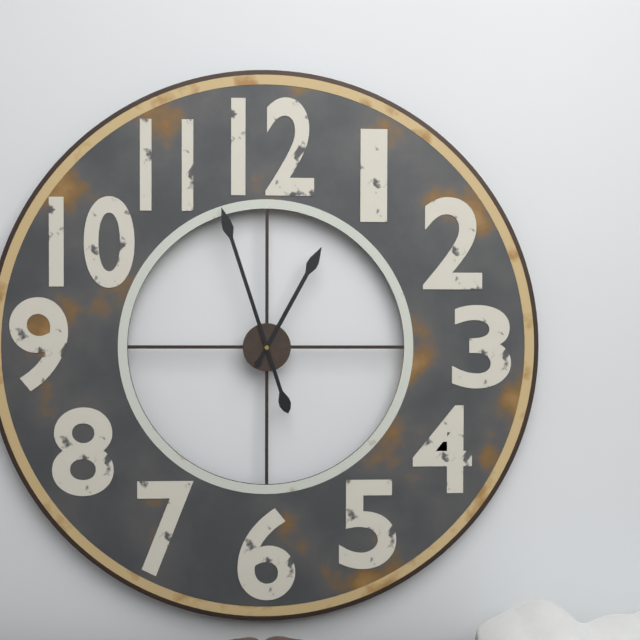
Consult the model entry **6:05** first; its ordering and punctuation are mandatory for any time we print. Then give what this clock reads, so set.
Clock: **12:57**
